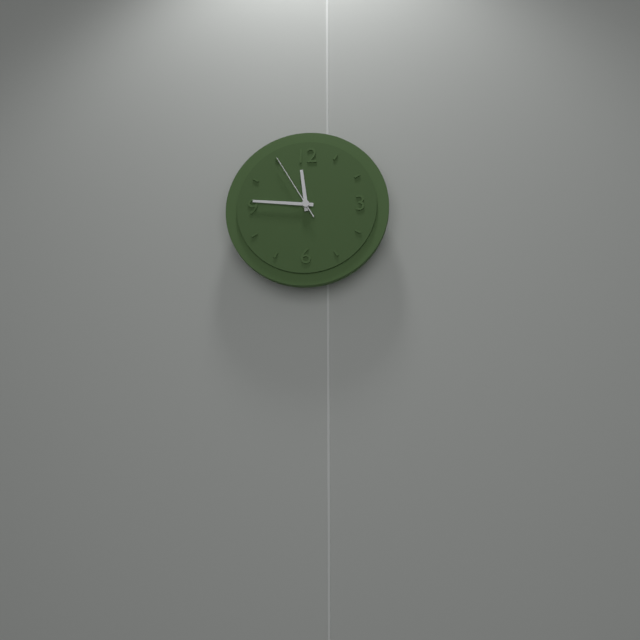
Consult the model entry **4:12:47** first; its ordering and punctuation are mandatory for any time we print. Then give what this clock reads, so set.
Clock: **11:46:55**
